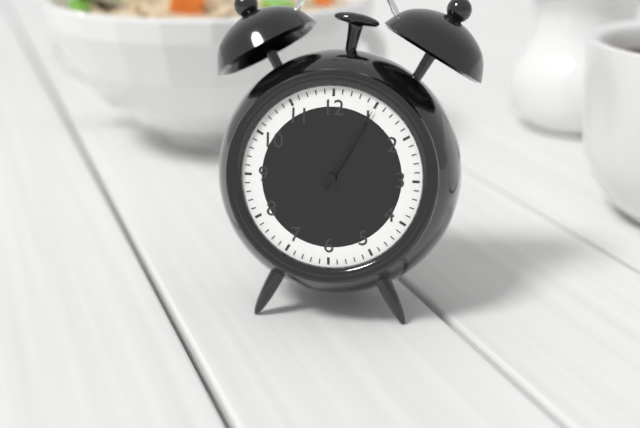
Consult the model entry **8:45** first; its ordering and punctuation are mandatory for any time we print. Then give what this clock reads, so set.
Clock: **1:05**
